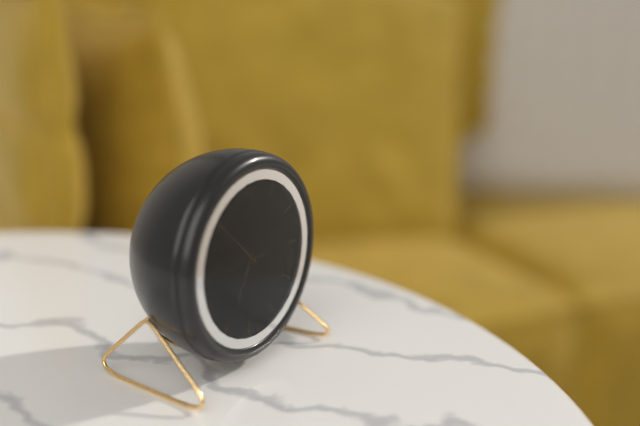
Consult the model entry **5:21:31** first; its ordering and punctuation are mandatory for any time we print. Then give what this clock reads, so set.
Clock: **6:52:45**
